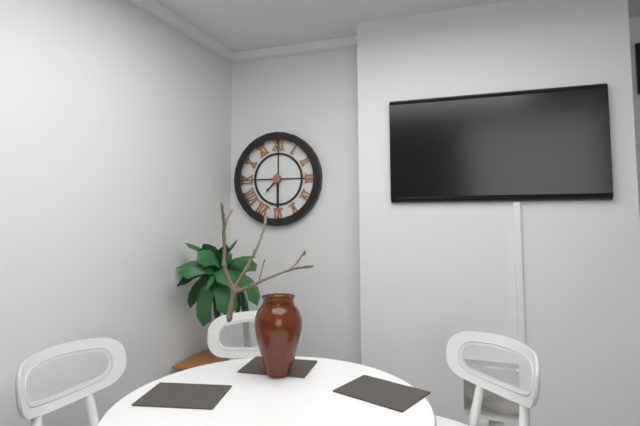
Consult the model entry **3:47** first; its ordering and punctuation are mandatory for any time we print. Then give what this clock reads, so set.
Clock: **7:30**
